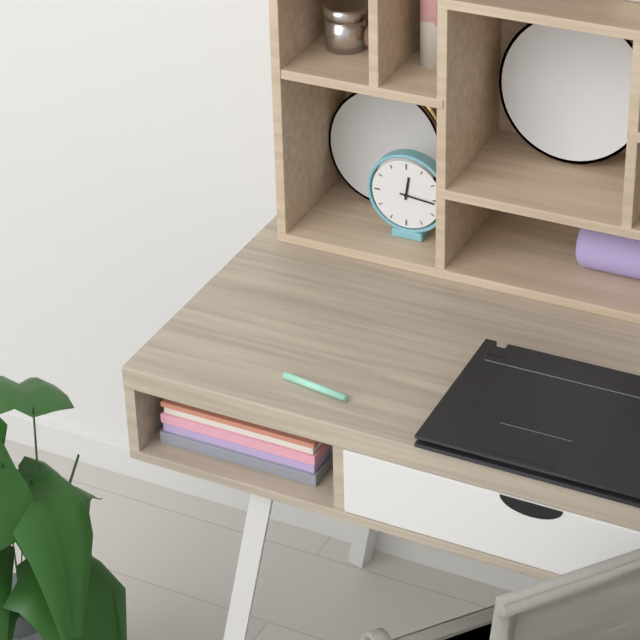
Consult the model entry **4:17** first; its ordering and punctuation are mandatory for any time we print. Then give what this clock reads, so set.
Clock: **12:16**
